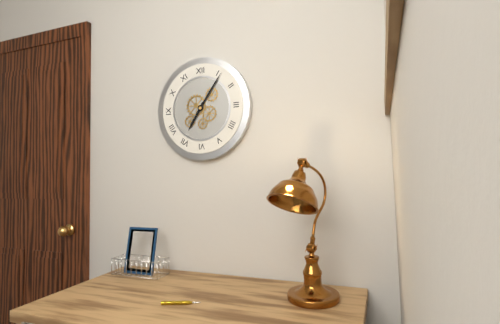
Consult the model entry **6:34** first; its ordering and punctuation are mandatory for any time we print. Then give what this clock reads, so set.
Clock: **7:06**
